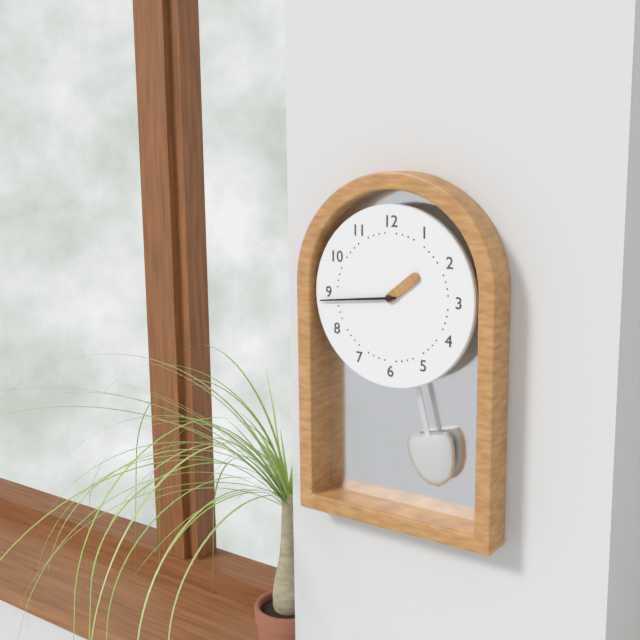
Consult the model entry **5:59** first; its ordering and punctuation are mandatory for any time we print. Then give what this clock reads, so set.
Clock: **1:44**
